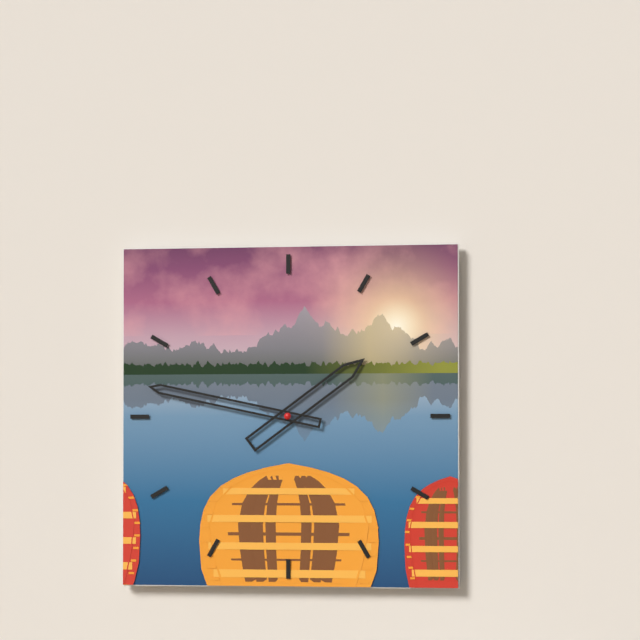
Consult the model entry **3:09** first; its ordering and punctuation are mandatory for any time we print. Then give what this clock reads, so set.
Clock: **1:47**
